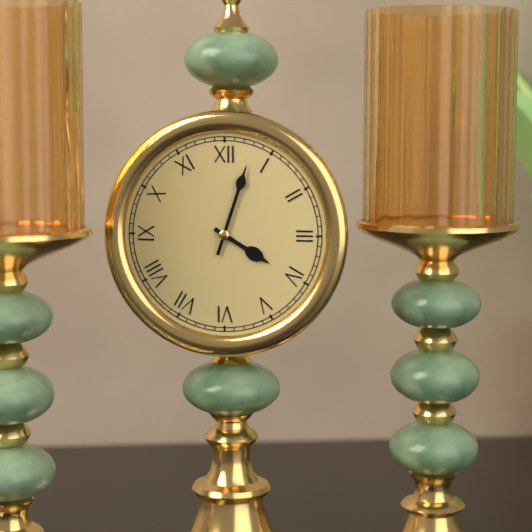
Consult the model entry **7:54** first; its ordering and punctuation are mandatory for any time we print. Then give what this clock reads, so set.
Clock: **4:03**
